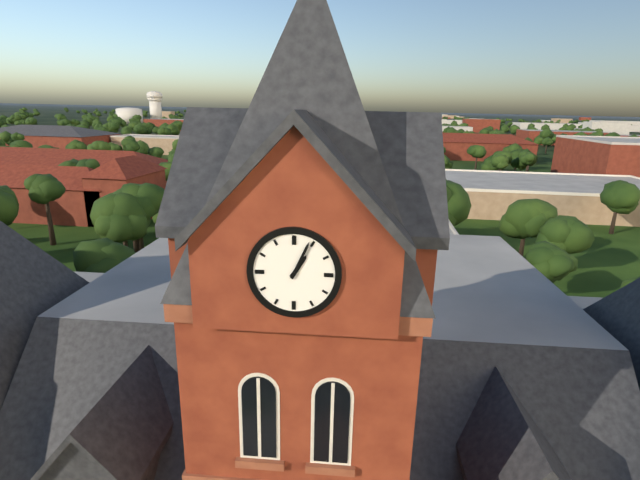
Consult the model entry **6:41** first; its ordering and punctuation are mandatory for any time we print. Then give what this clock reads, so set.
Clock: **1:04**
